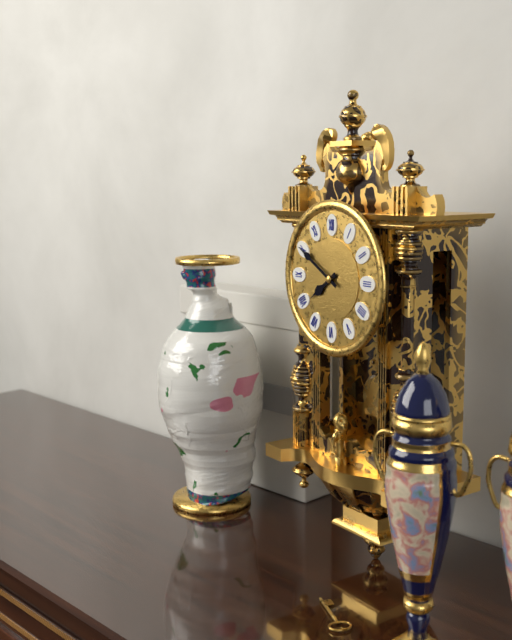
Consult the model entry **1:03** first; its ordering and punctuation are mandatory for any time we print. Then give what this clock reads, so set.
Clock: **7:50**
